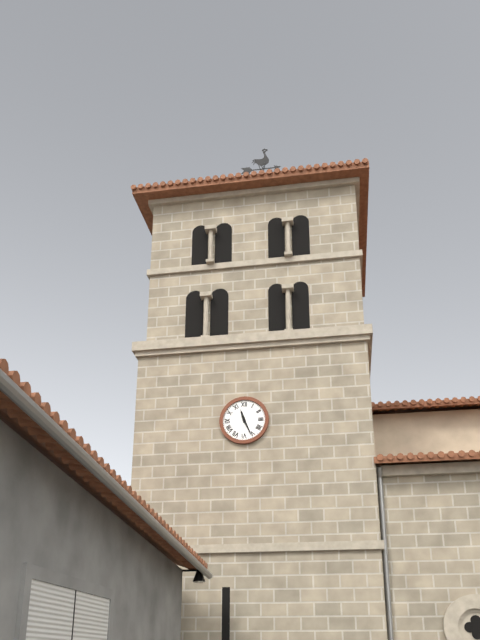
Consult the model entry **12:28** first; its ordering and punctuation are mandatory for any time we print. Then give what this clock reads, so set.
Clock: **11:26**
